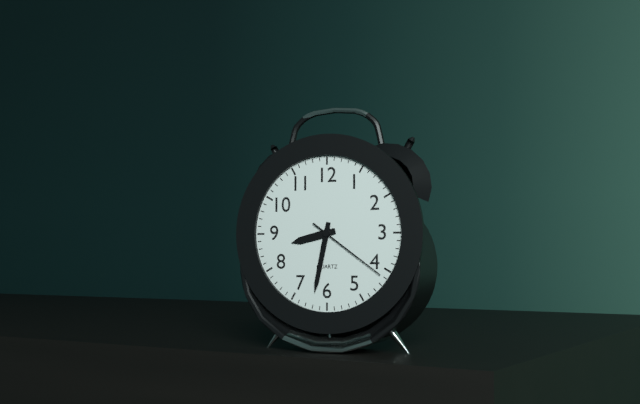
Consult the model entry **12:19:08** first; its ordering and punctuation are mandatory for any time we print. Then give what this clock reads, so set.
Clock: **8:32:21**
